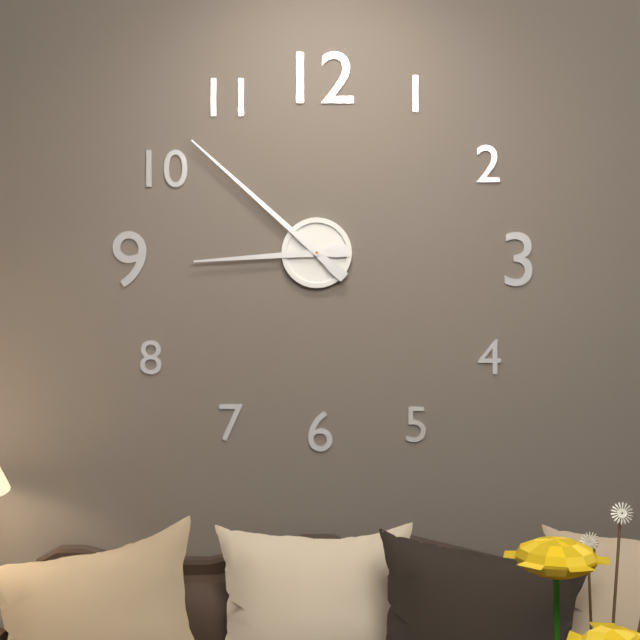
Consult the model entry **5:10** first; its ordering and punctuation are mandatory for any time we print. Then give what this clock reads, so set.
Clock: **8:52**
